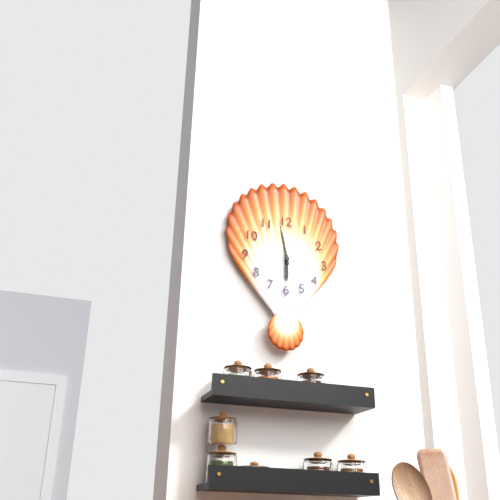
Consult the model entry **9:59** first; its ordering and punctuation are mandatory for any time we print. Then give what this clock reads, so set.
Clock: **5:58**
